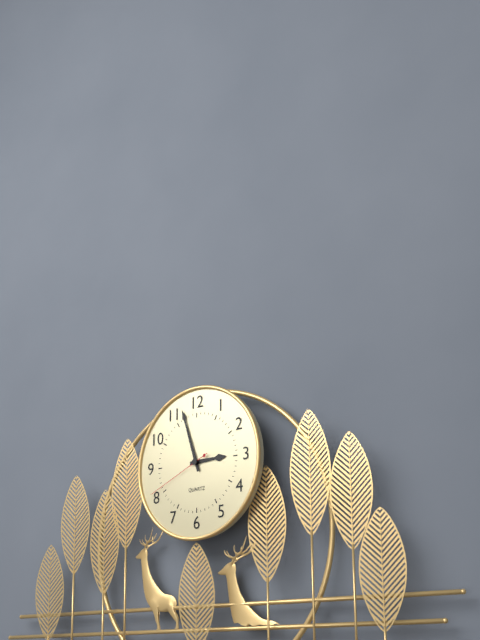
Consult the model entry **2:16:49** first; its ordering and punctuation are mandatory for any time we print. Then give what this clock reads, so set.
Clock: **2:57:41**
